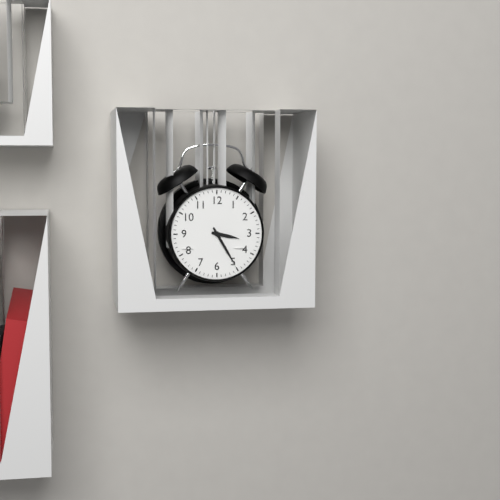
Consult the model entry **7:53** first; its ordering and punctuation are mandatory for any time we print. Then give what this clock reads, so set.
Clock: **3:25**
